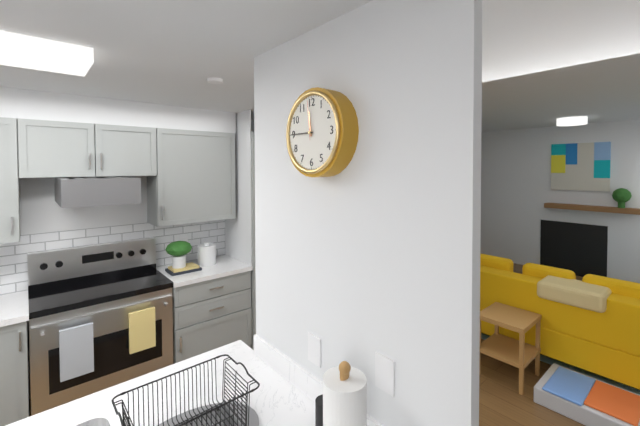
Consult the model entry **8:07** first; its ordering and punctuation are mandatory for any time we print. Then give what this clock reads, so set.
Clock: **11:45**
